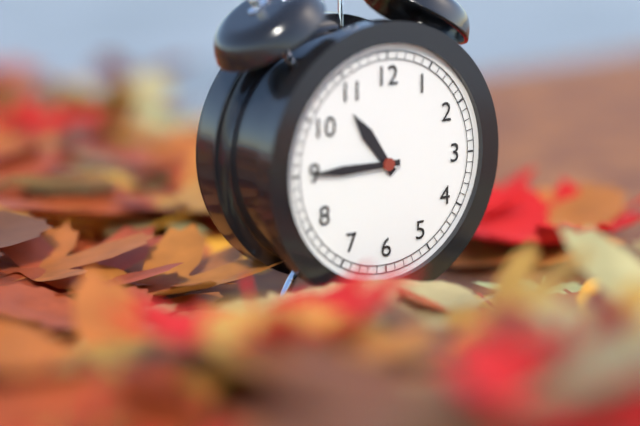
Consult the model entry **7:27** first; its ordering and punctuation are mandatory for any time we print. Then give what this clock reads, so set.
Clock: **10:45**
